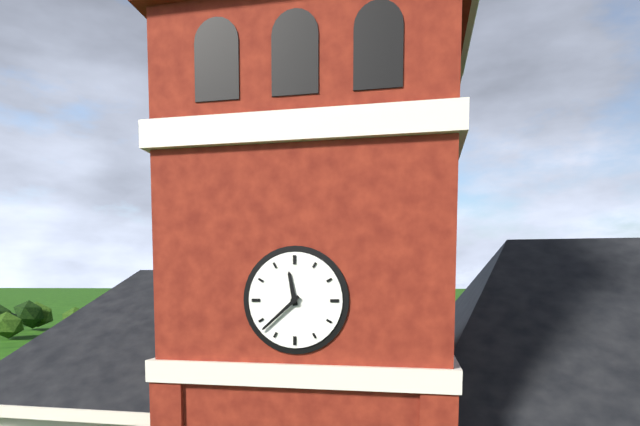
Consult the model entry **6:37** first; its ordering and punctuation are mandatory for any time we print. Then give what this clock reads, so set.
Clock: **11:38**
